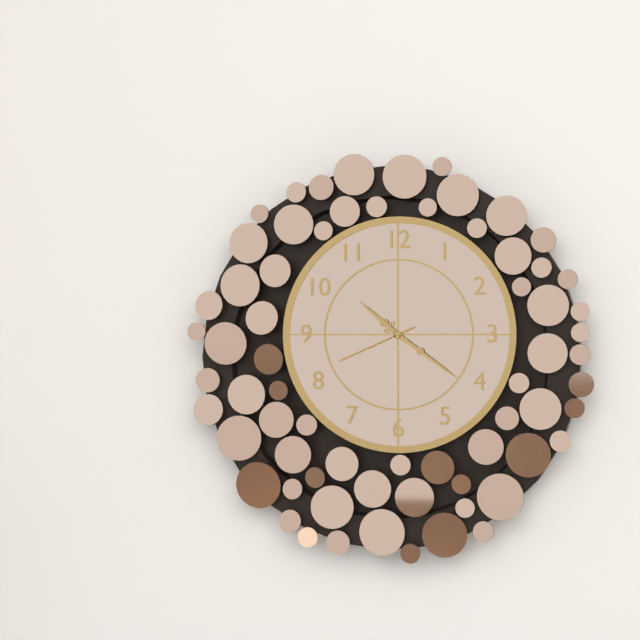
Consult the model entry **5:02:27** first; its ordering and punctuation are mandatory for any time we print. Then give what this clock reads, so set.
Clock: **10:21:41**
